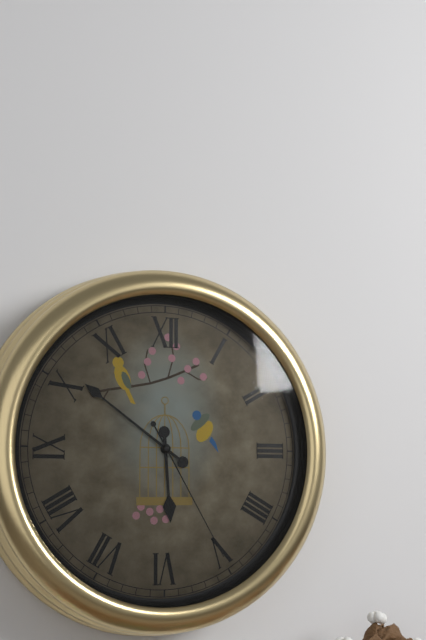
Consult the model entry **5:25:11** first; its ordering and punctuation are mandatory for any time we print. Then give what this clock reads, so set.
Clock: **5:51:25**
